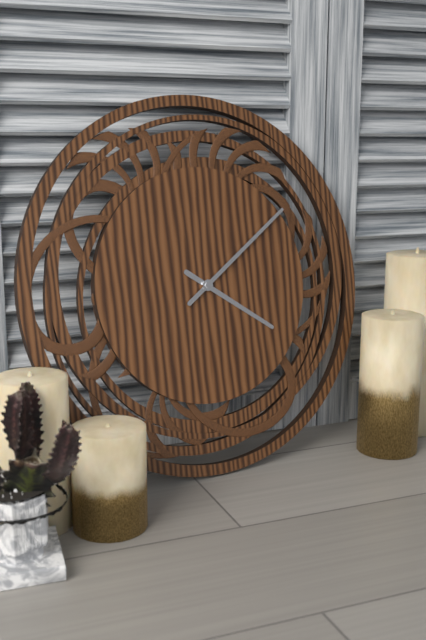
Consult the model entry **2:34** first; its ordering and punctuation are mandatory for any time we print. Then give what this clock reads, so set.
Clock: **4:09**
